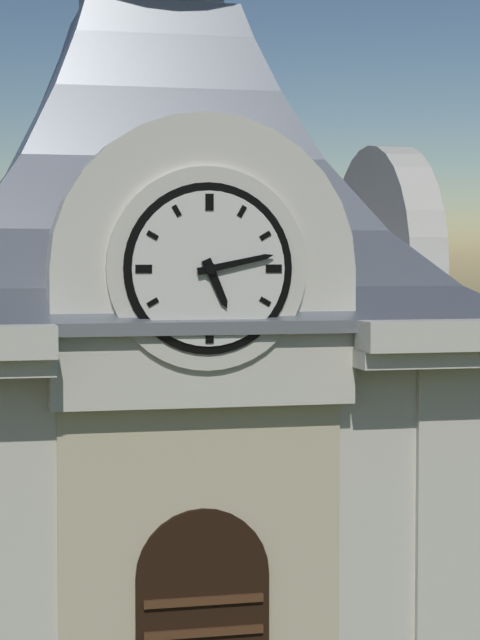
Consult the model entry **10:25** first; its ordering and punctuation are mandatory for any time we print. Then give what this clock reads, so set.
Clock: **5:13**
